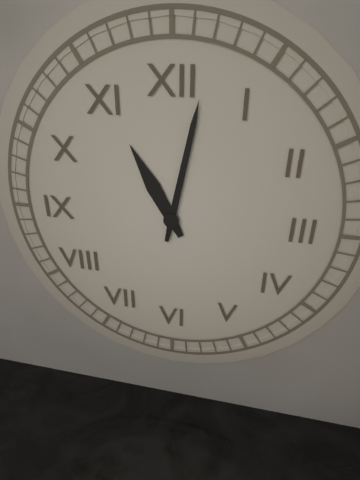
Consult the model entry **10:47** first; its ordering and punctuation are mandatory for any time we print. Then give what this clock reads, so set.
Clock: **11:02**
